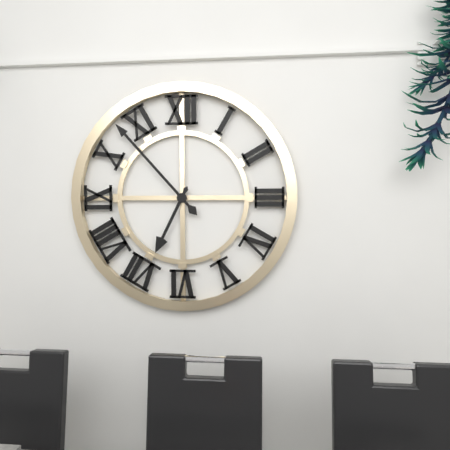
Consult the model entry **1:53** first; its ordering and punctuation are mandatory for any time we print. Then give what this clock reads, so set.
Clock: **6:53**
